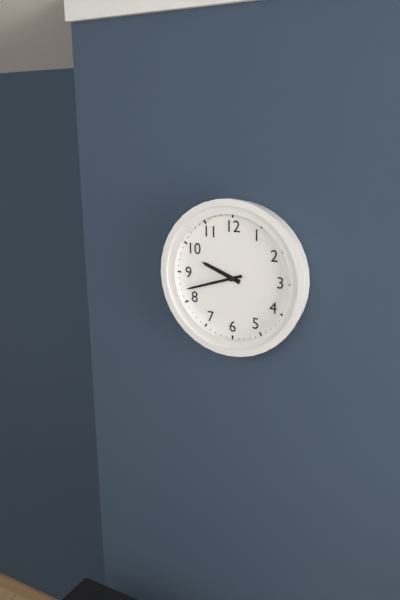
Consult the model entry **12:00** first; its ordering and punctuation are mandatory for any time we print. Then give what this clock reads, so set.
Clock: **9:42**
